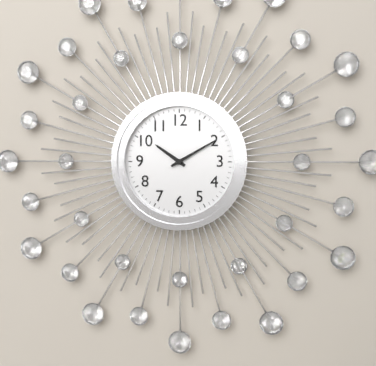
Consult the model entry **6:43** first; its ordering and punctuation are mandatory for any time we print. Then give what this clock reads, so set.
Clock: **10:10**
